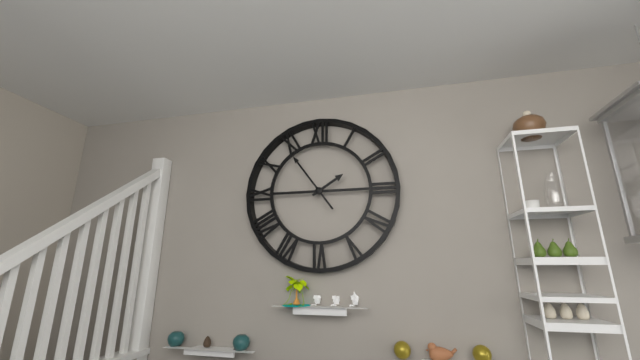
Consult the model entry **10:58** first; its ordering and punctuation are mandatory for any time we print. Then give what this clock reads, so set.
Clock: **1:54**
